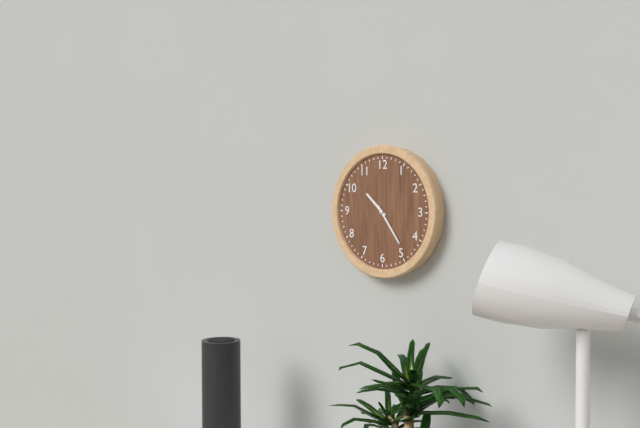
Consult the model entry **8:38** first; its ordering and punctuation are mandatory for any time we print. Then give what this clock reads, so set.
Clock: **10:24**
